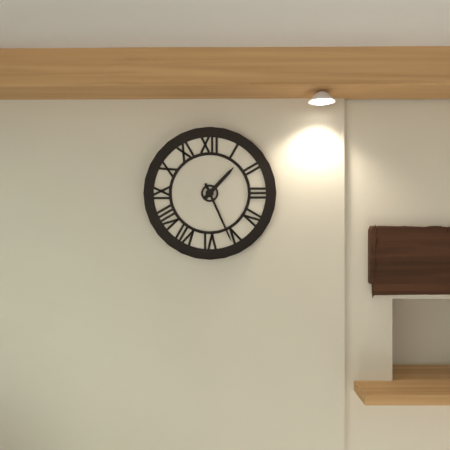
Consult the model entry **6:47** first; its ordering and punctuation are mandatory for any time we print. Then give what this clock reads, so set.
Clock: **1:26**
